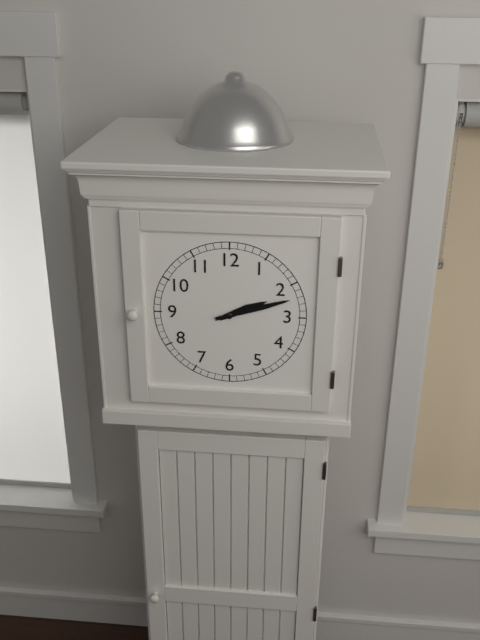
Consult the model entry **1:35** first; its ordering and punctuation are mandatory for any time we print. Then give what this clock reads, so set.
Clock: **2:12**
